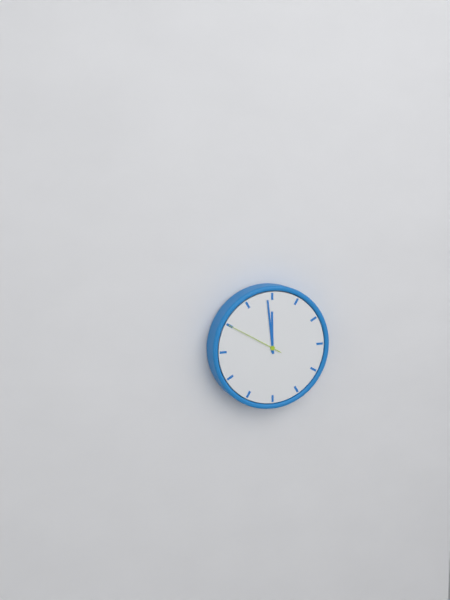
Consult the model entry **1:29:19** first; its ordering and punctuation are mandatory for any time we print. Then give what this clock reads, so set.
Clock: **11:59:50**
